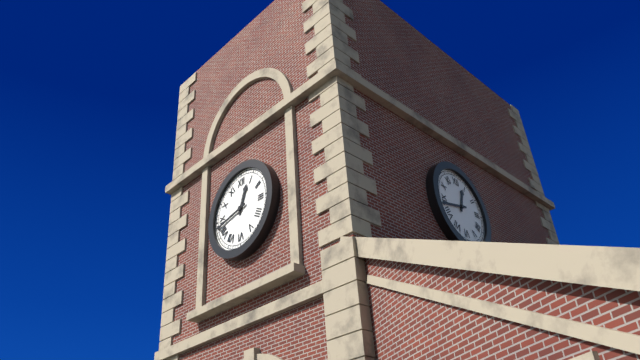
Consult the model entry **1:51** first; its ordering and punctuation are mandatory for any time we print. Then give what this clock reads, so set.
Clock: **12:43**
